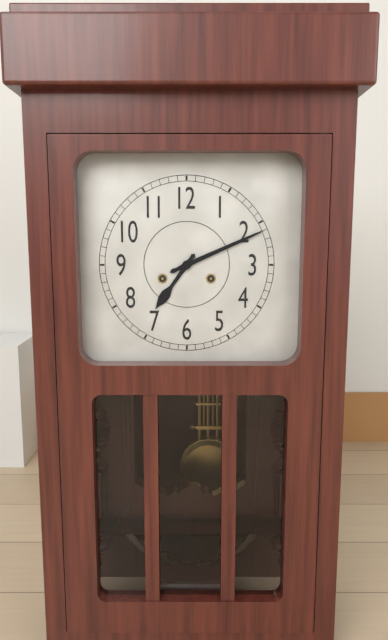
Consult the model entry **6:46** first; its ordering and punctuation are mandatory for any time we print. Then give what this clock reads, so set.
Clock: **7:11**
